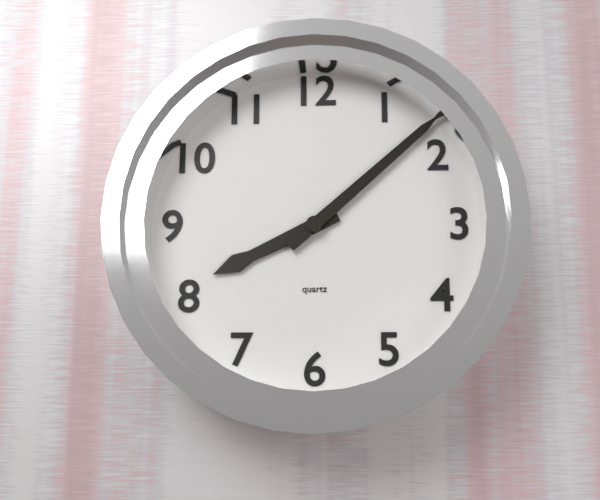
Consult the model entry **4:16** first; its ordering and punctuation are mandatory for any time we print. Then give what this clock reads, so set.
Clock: **8:08**
